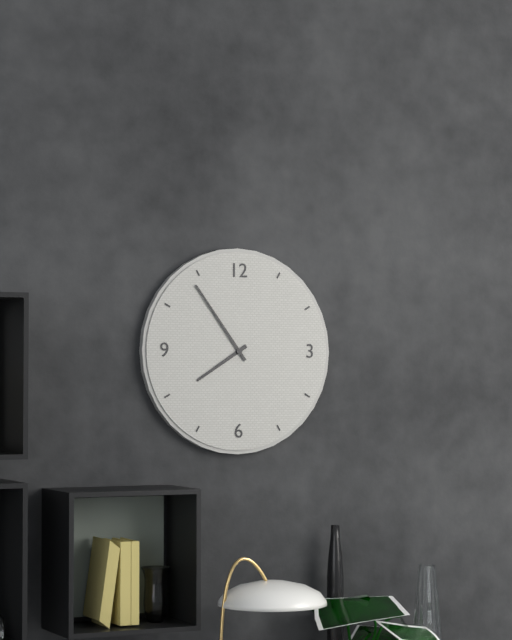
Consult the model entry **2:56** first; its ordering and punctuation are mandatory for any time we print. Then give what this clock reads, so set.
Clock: **7:54**
